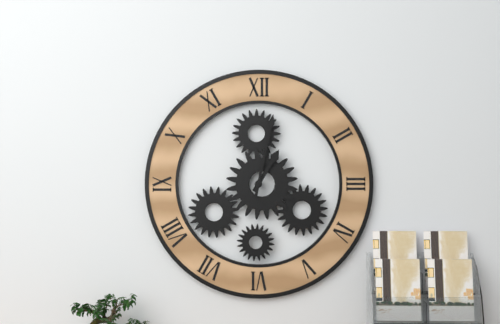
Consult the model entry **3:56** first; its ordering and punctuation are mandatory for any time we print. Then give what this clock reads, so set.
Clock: **1:02**
